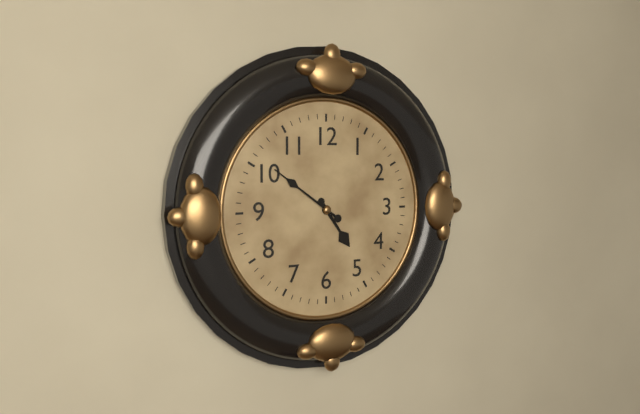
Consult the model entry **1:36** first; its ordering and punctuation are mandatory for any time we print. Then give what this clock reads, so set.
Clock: **4:51**
